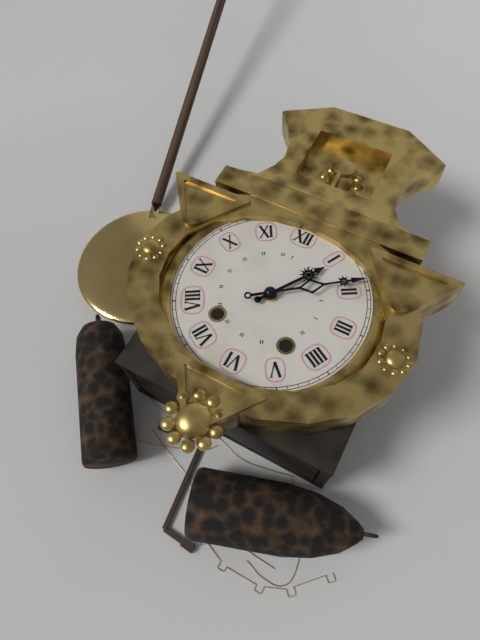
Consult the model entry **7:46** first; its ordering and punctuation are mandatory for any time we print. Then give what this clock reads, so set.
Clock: **1:09**
